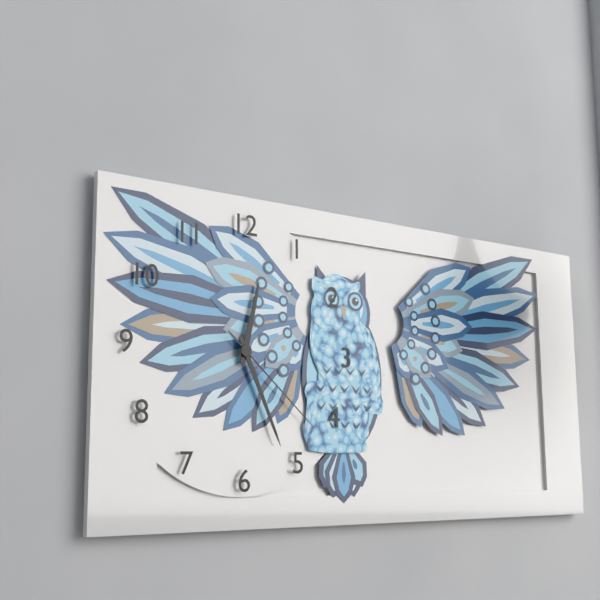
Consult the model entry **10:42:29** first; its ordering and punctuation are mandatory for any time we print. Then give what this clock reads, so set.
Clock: **12:26:22**
